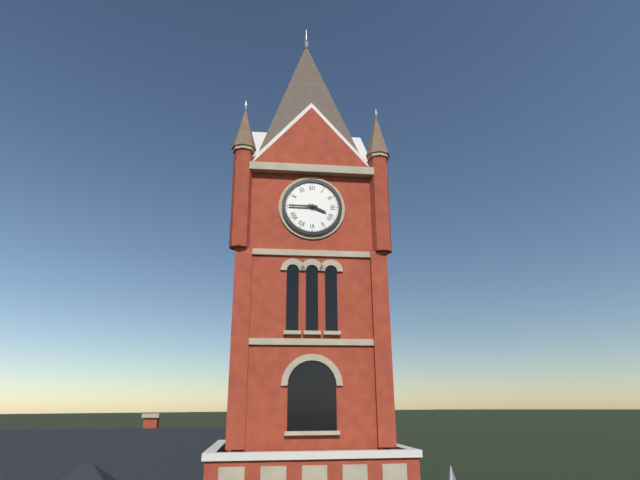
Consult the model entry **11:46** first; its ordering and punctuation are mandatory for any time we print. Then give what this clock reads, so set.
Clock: **3:45**
